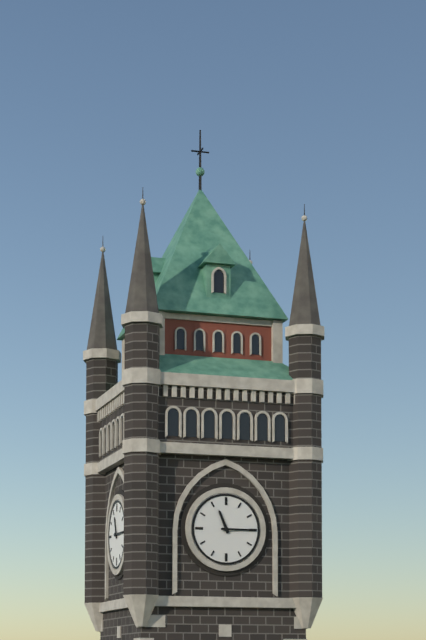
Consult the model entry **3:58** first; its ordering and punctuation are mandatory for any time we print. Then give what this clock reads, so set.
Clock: **11:15**
